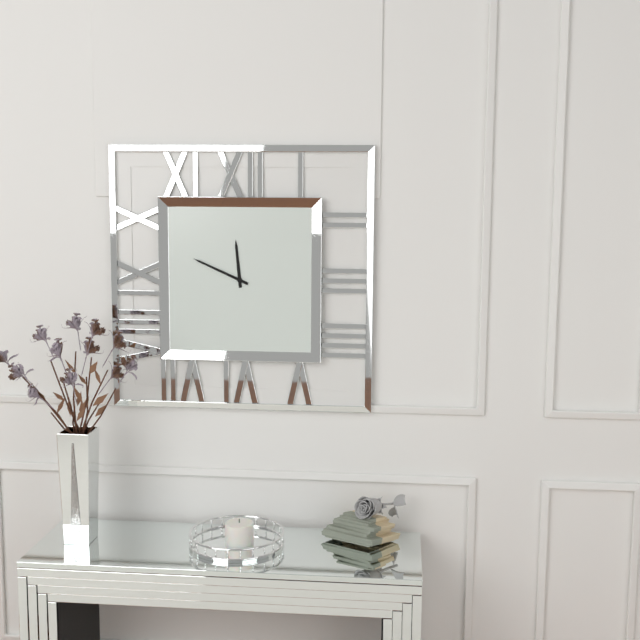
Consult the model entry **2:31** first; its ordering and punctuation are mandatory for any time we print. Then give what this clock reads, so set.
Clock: **11:49**
